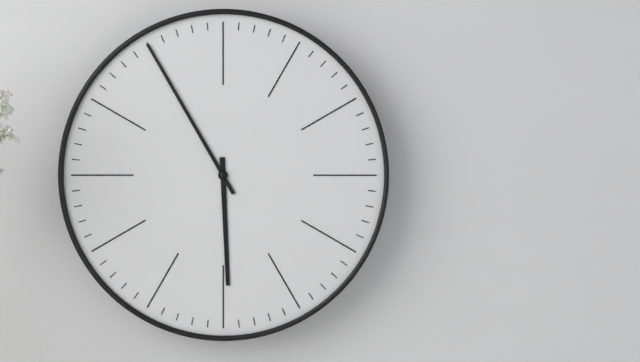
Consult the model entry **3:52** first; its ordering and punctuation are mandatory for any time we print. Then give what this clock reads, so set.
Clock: **5:55**
